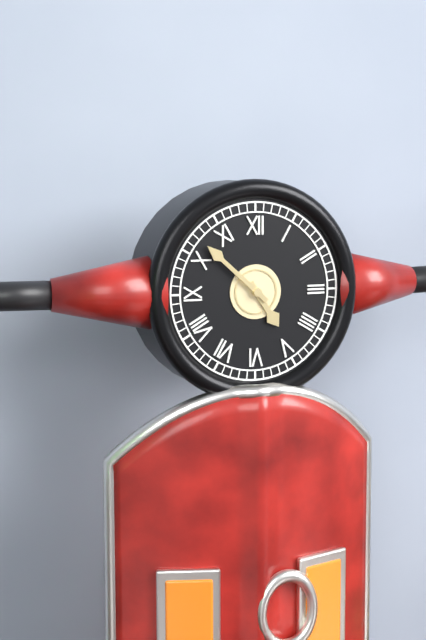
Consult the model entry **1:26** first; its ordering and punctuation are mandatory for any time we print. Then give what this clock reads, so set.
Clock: **4:52**
